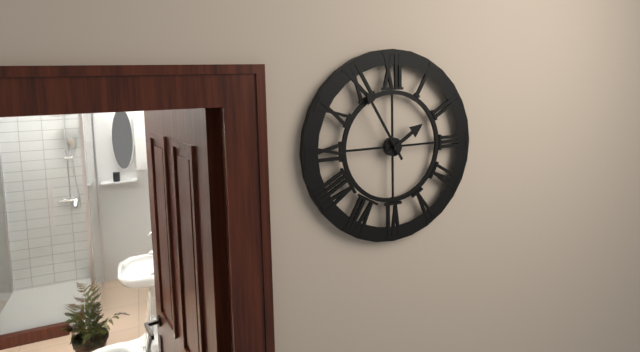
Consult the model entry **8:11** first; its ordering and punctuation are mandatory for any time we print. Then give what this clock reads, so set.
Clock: **1:55**
